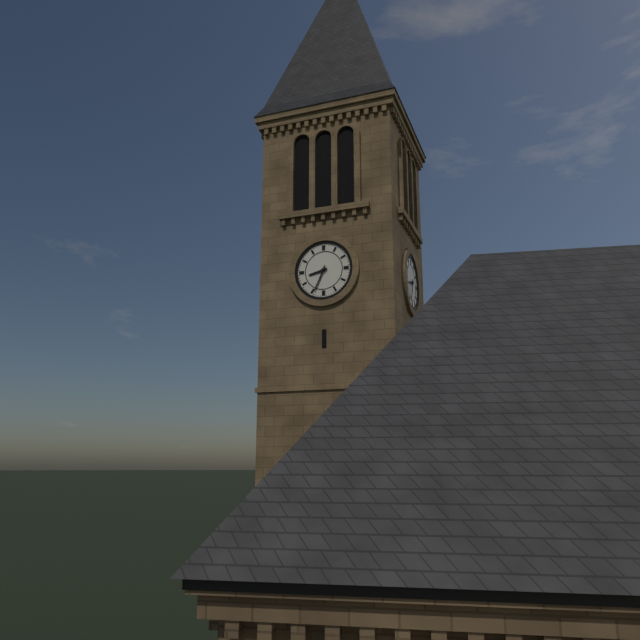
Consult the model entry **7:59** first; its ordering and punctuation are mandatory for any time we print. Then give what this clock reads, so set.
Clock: **8:34**
